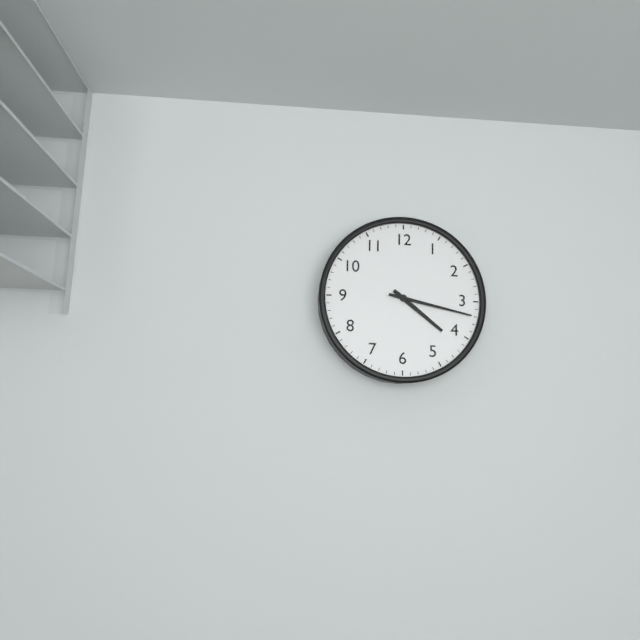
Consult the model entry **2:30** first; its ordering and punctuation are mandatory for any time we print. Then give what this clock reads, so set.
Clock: **4:17**
